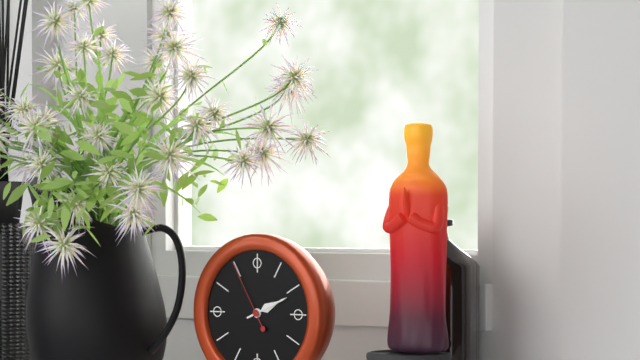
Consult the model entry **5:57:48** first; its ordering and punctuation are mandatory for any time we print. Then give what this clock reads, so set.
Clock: **2:11:55**
